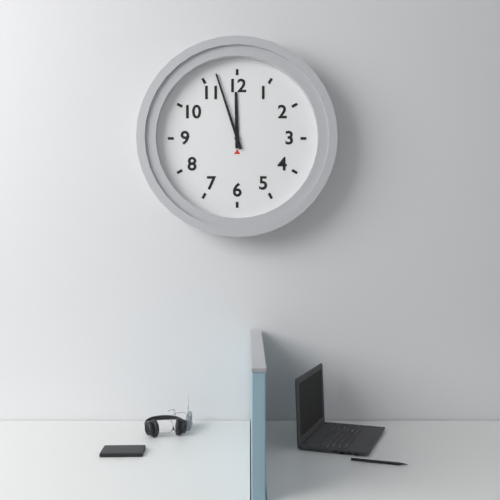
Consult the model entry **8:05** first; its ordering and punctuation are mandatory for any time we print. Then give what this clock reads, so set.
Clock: **11:57**
